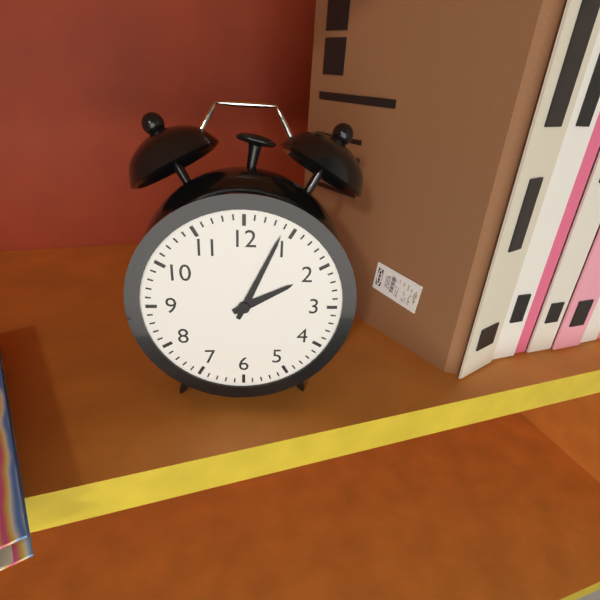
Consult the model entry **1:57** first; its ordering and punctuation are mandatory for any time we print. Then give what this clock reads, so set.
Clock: **2:04**
